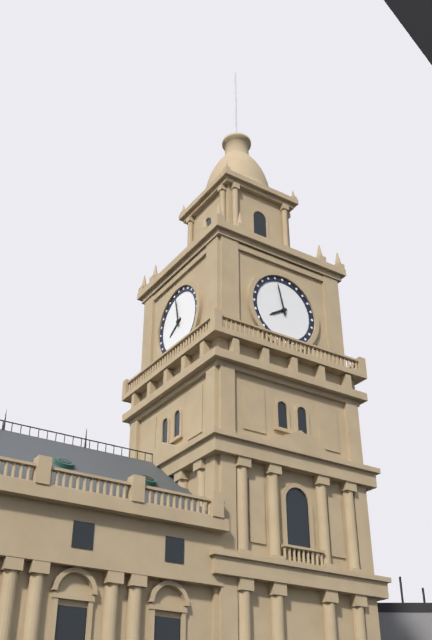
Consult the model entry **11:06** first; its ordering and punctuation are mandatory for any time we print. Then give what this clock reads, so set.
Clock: **7:58**
